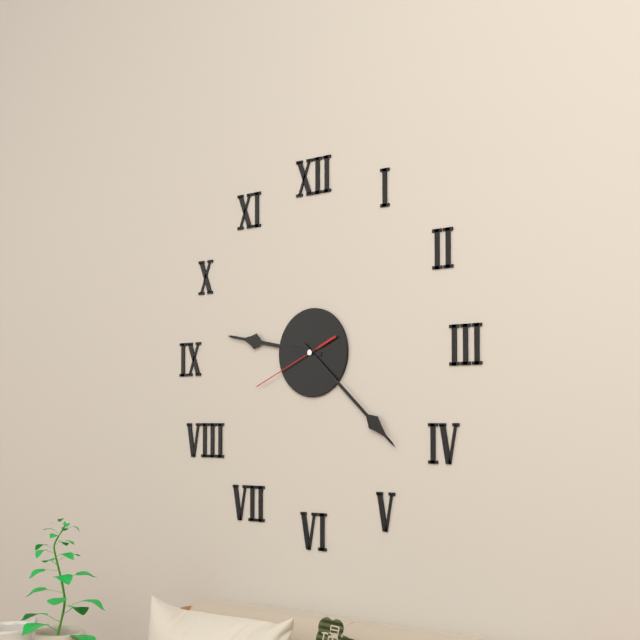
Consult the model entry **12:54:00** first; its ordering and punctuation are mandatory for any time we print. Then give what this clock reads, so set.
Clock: **9:22:41**
